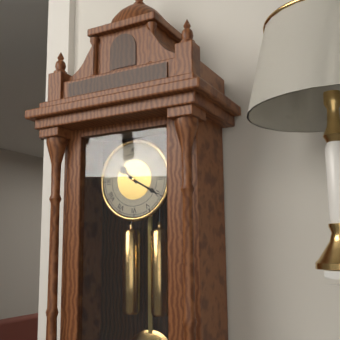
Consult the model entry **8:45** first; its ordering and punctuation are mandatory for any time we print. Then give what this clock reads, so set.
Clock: **10:20**
